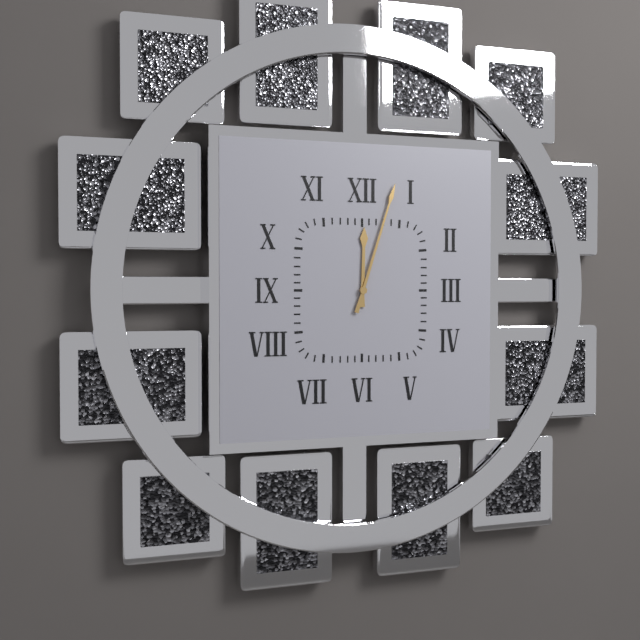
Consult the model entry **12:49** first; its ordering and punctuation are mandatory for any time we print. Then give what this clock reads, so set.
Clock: **12:03**
